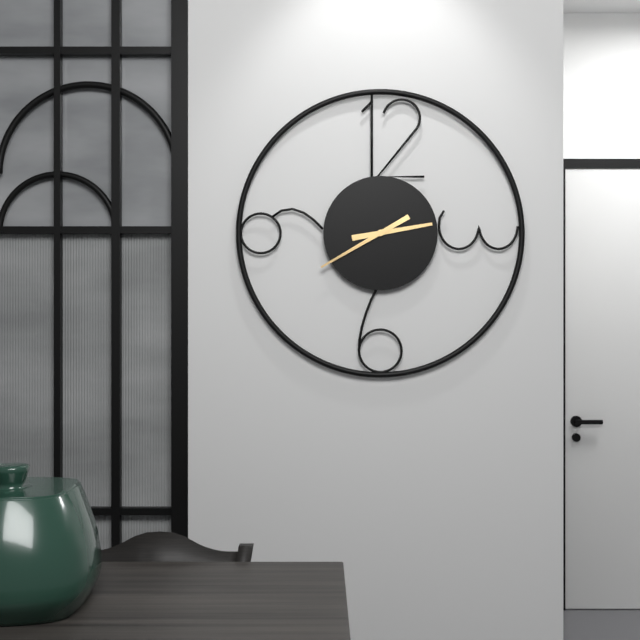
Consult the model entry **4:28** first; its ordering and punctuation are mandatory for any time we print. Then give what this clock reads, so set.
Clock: **2:40**
